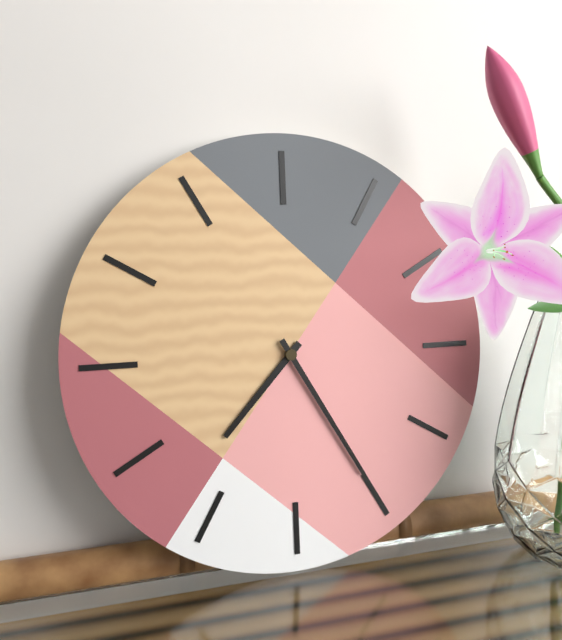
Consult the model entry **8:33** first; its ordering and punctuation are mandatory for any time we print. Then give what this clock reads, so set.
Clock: **7:25**
